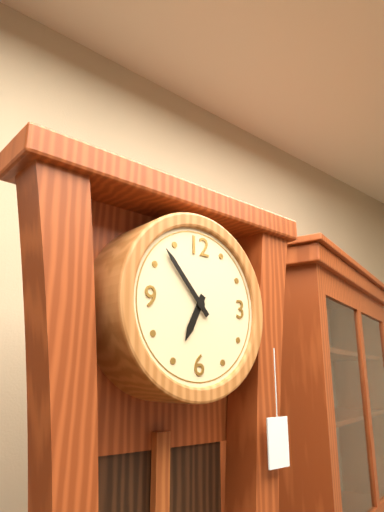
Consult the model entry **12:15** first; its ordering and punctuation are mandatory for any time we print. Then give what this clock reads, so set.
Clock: **6:53**
